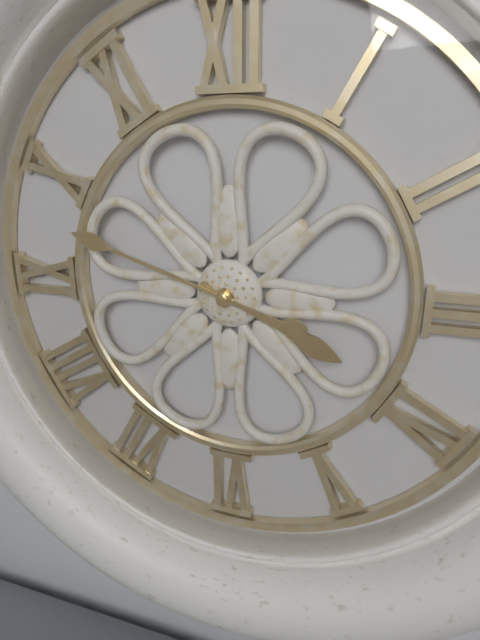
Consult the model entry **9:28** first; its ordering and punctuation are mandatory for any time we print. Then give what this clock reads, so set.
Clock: **3:48**
